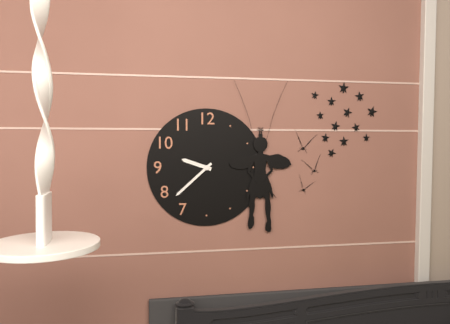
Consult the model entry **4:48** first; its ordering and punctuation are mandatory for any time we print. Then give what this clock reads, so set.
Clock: **9:38**
